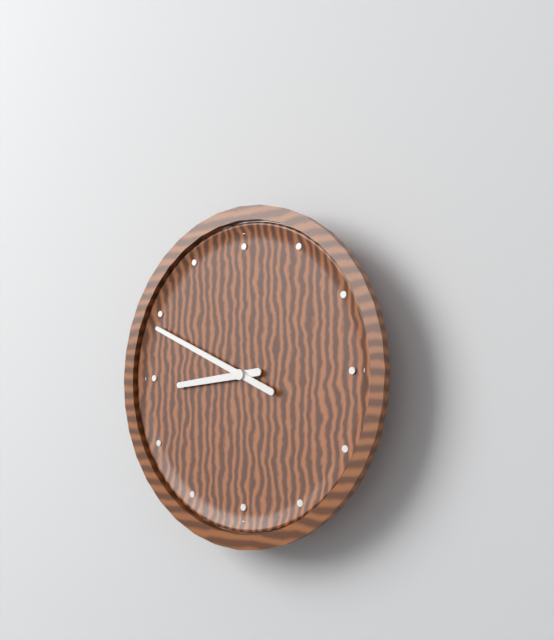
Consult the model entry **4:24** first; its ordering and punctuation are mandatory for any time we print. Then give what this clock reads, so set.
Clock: **8:49**
